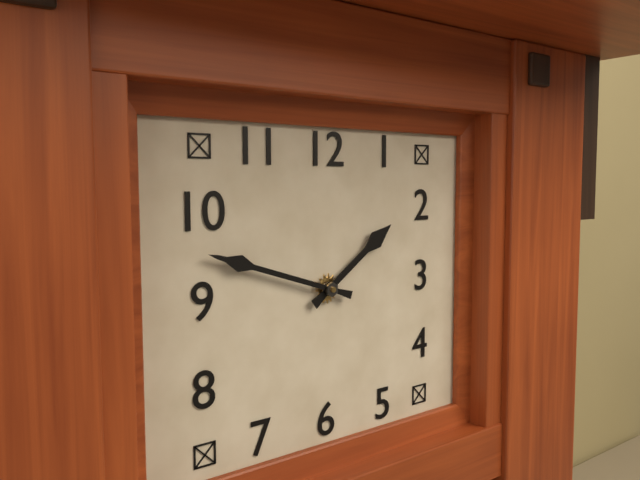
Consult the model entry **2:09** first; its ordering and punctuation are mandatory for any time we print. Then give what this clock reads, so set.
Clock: **1:48**
